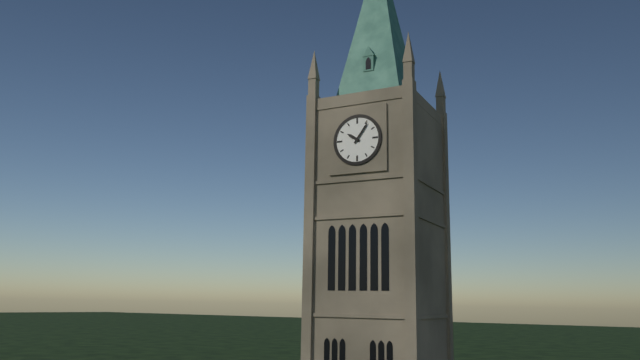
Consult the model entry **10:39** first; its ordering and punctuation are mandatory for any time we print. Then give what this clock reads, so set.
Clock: **10:06**
